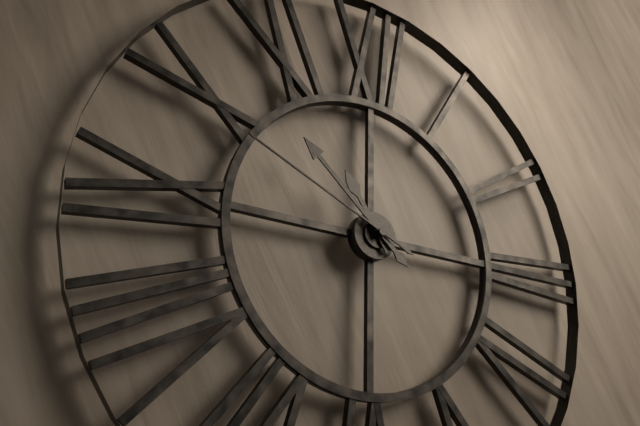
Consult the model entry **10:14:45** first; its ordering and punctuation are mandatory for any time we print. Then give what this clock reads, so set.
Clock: **10:52:49**
